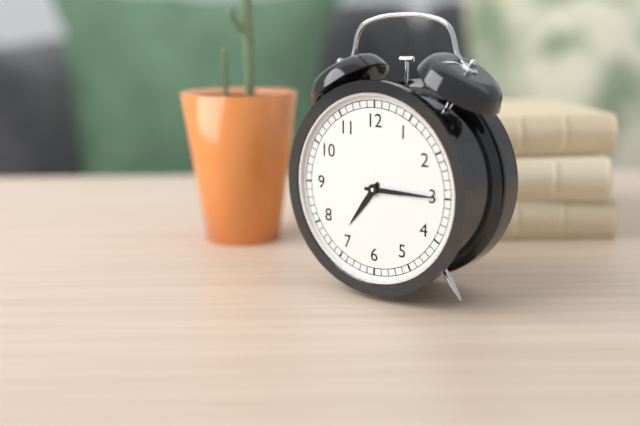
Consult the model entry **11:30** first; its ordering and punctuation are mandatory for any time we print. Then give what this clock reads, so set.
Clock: **7:15**
